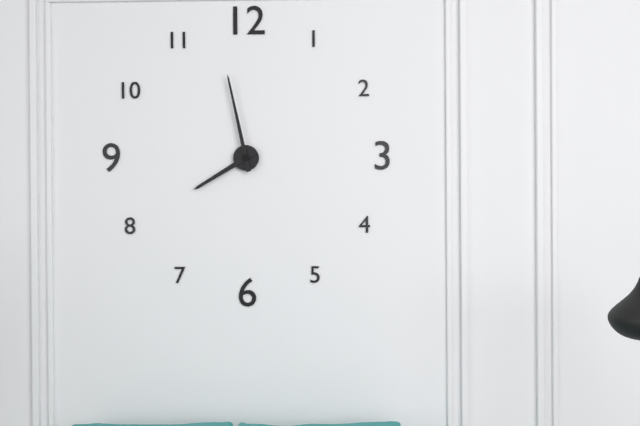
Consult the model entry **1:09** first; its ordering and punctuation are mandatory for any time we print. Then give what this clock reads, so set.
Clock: **7:58**
